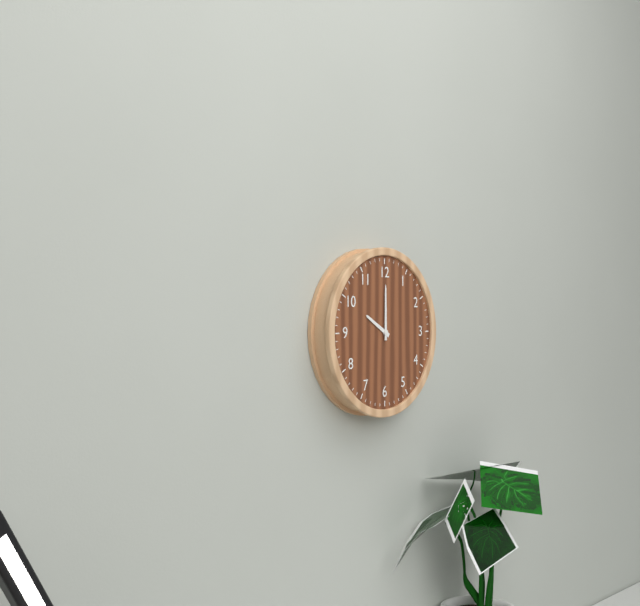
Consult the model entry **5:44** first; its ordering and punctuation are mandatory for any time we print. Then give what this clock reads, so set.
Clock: **10:00**
